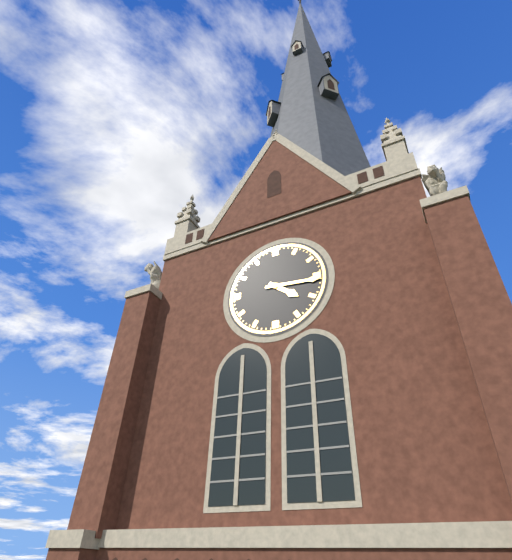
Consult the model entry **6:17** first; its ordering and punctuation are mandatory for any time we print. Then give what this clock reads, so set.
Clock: **4:16**
